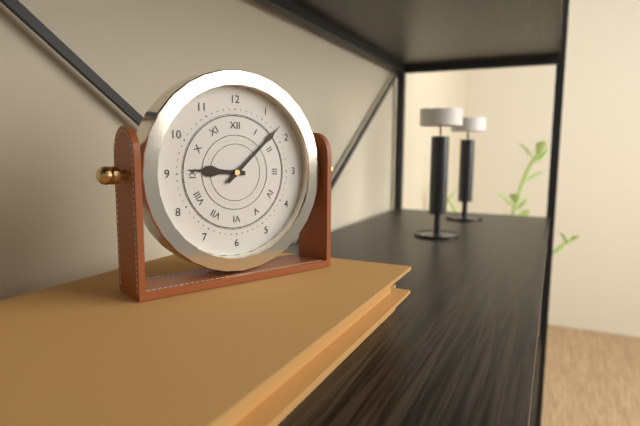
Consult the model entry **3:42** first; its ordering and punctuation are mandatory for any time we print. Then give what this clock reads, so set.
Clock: **9:08**
